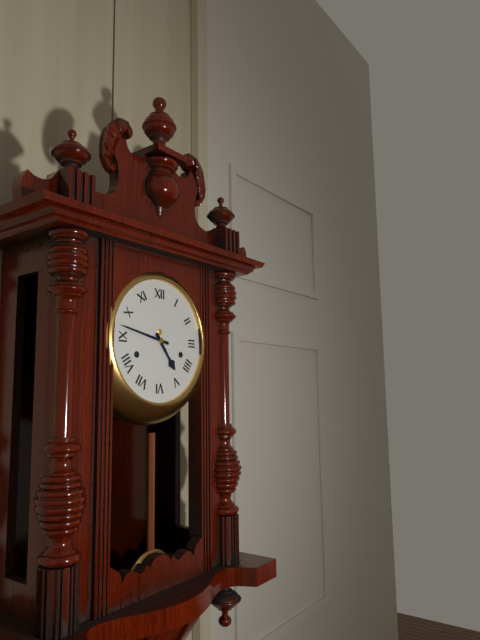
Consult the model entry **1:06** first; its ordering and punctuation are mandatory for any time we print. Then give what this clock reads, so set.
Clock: **4:47**
